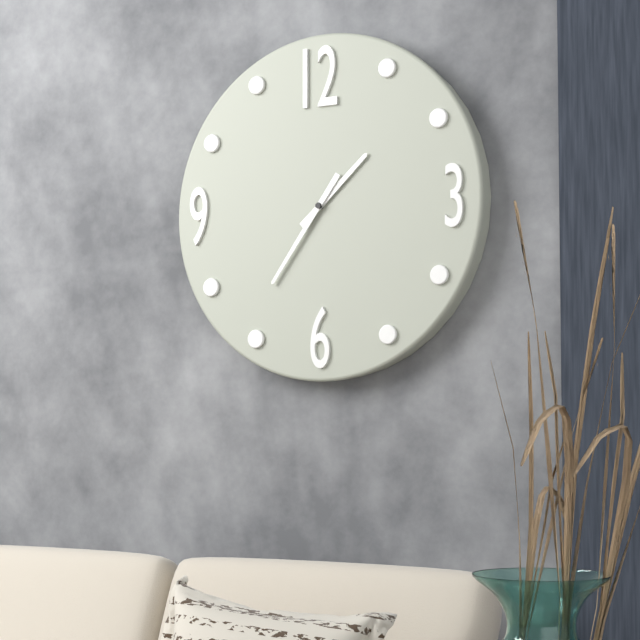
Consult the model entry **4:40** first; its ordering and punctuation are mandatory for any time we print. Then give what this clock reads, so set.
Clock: **1:36**
